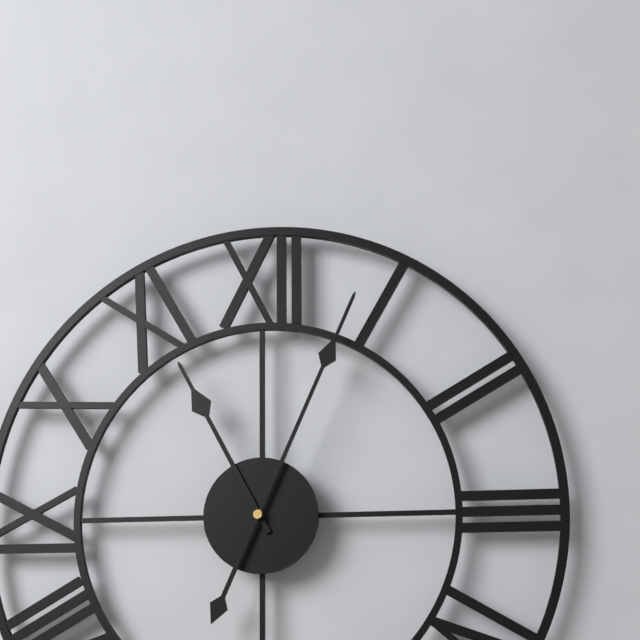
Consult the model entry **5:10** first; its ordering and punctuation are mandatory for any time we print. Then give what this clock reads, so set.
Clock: **11:04**
